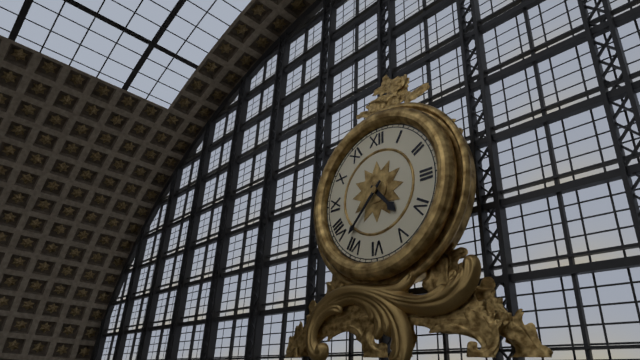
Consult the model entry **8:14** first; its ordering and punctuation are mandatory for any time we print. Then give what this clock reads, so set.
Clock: **4:37**
